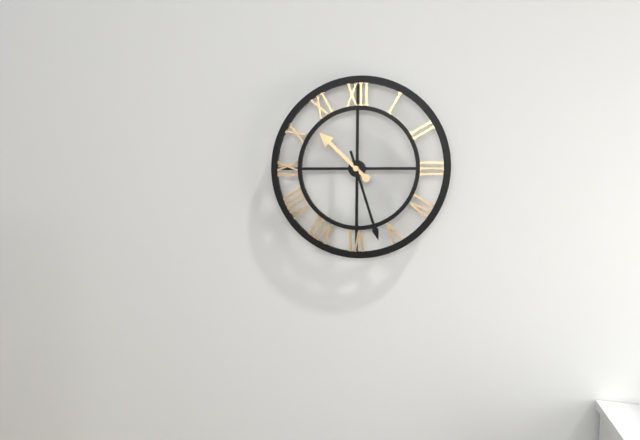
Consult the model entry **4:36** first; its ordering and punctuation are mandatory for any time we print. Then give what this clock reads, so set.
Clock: **10:27**
